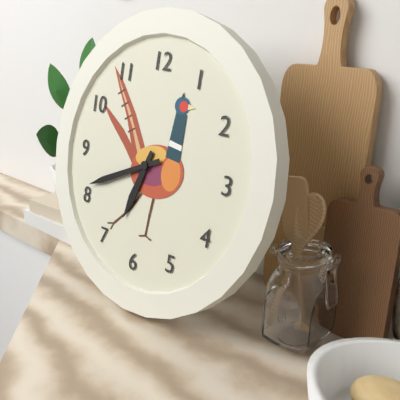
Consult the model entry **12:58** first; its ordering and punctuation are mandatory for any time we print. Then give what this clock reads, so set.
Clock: **6:41**
